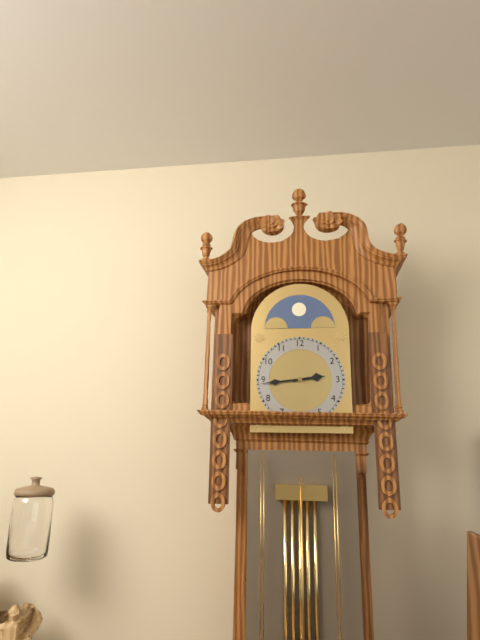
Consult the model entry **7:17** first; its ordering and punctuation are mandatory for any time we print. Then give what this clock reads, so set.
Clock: **2:44**
